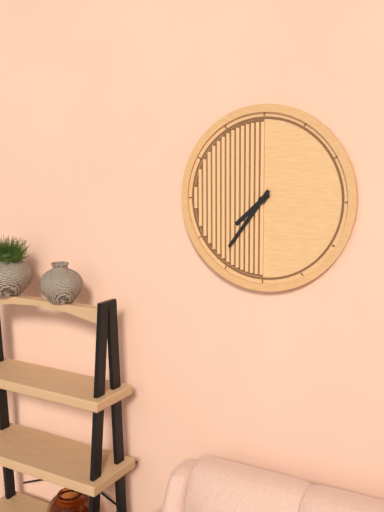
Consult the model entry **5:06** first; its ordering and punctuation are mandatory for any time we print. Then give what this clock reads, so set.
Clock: **7:36**
